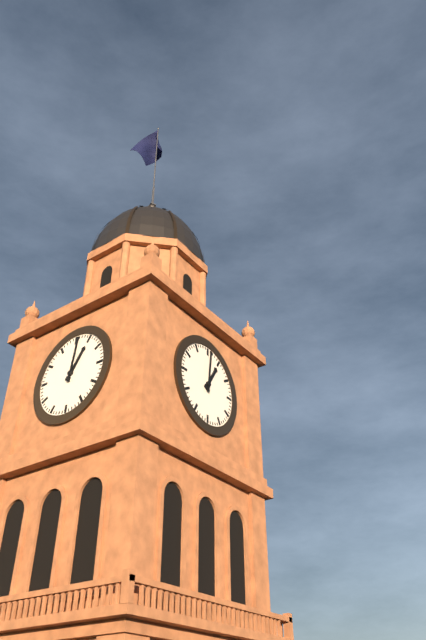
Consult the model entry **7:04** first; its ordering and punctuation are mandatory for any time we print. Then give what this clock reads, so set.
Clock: **1:01**
